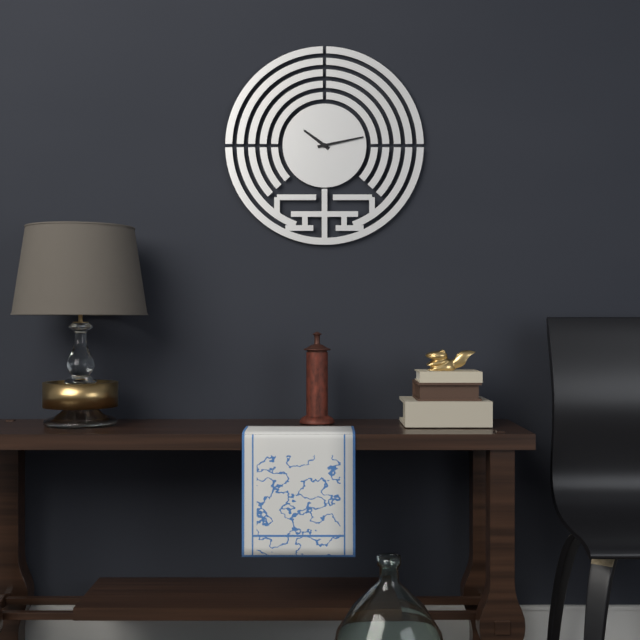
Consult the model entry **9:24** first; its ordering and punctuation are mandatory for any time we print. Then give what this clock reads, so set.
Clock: **10:13**
